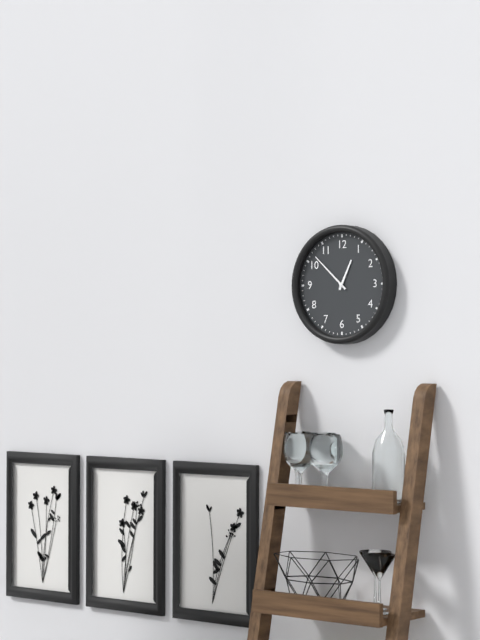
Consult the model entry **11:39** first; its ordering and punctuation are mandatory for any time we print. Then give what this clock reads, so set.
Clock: **12:52**
